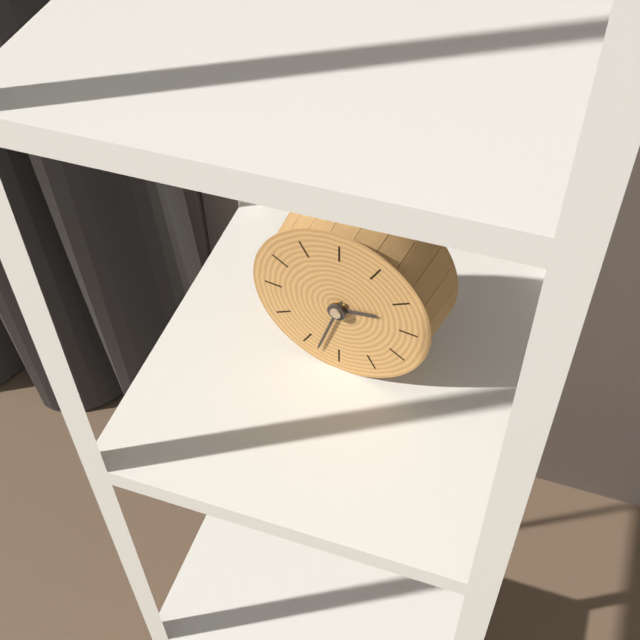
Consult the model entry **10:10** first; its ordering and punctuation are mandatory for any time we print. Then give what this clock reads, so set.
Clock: **2:33**
